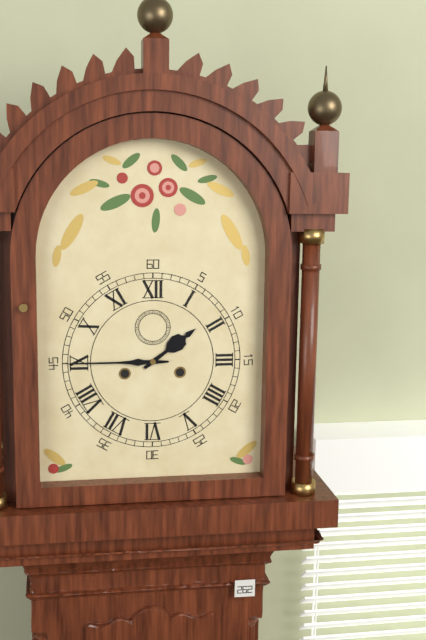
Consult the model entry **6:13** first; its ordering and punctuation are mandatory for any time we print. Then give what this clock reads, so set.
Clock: **1:45**
